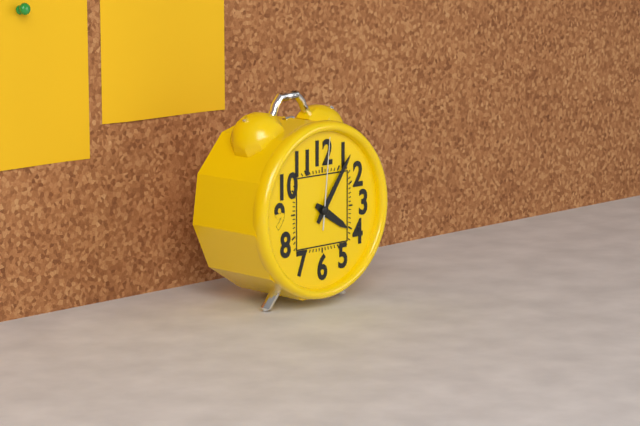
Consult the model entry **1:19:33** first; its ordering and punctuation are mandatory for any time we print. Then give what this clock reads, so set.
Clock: **4:06:01**
